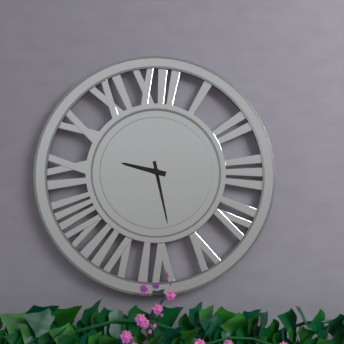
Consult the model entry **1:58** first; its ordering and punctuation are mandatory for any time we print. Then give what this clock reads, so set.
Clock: **9:28**
